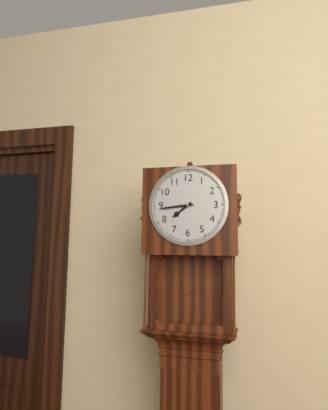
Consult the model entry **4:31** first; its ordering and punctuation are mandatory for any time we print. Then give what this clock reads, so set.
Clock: **7:44**
